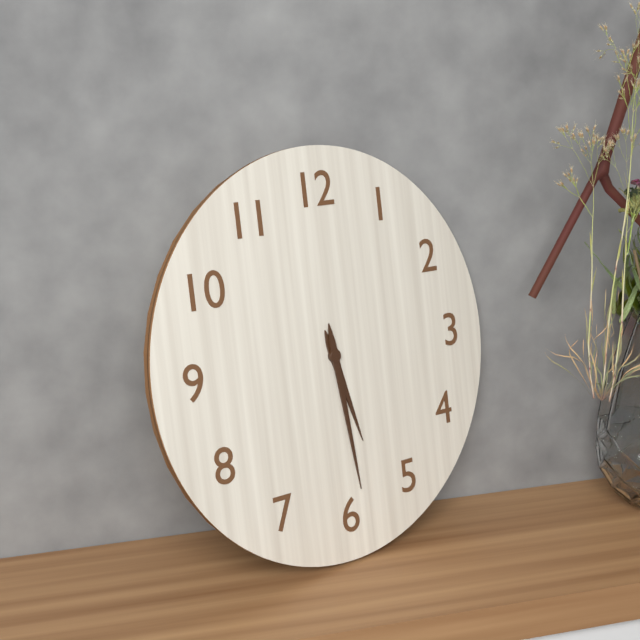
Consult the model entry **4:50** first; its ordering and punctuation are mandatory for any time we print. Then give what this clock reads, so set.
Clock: **5:29**
